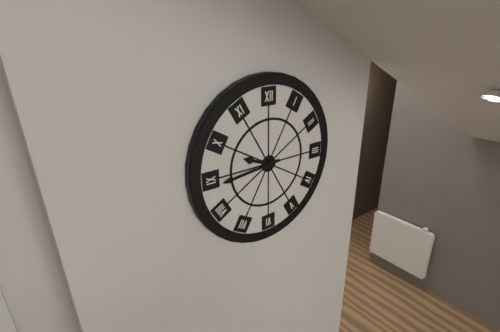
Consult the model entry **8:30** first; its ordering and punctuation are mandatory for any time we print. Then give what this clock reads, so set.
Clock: **9:44**
